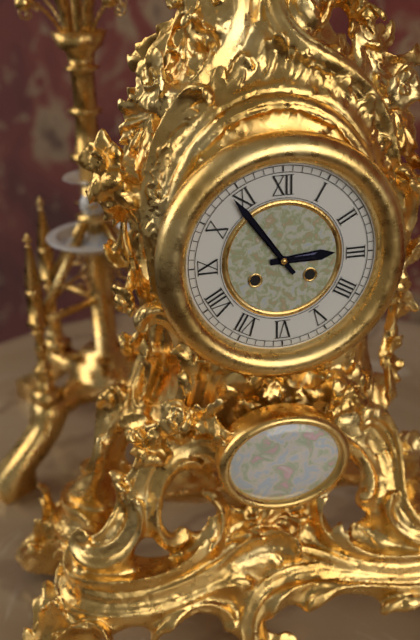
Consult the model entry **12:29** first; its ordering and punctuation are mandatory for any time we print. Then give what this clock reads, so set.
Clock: **2:54**
